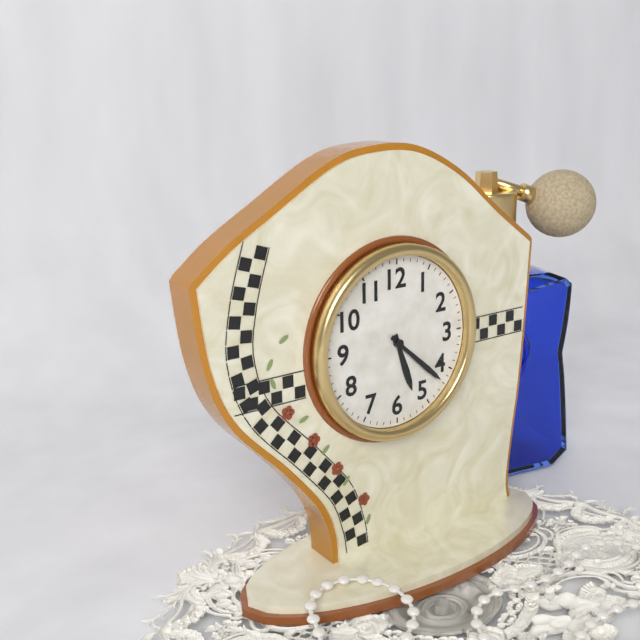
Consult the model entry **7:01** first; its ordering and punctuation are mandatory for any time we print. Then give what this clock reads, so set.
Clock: **5:22**
